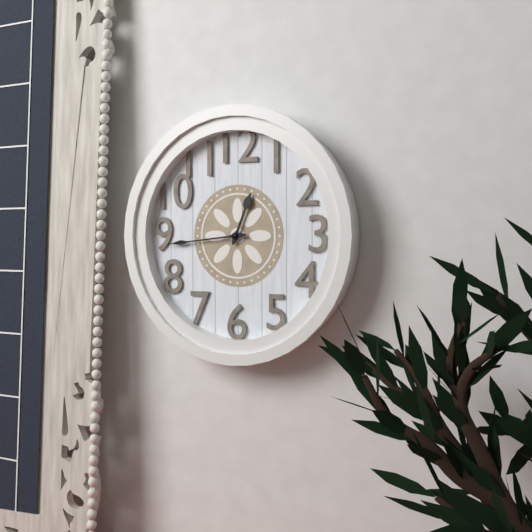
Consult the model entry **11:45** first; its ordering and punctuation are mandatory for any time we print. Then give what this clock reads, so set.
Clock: **12:44**
